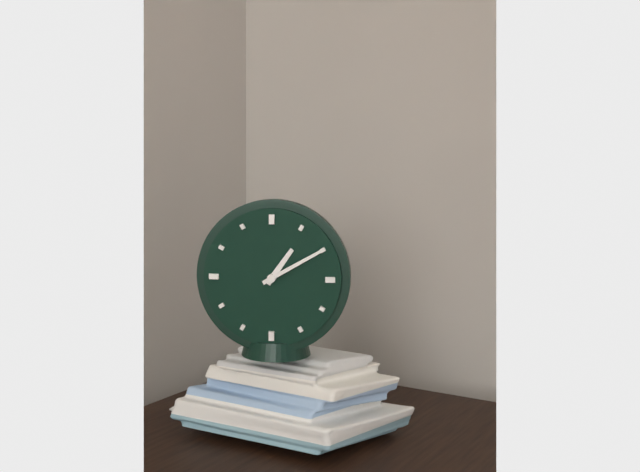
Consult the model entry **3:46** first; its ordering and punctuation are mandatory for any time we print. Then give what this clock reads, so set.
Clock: **1:10**
